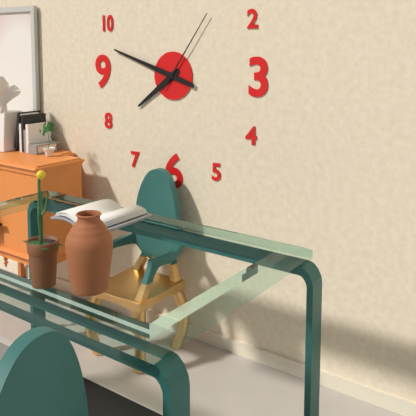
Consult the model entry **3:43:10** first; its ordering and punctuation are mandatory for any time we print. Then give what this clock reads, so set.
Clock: **7:48:06**
